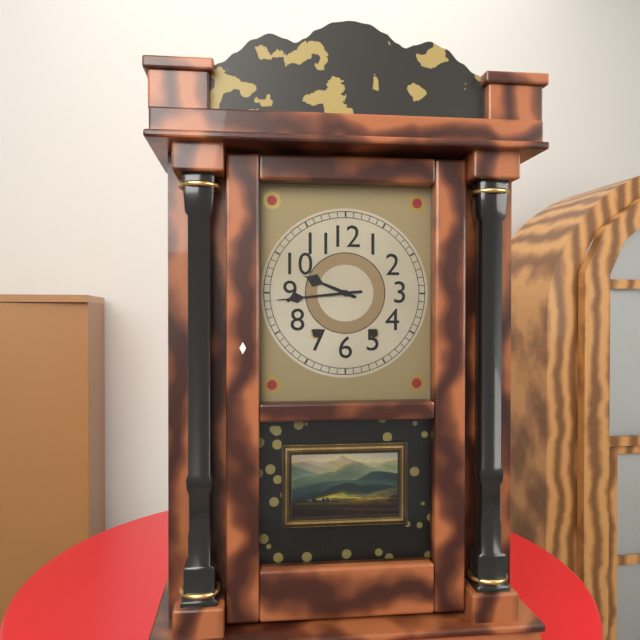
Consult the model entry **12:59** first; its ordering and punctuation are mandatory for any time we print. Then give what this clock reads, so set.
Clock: **9:44**
